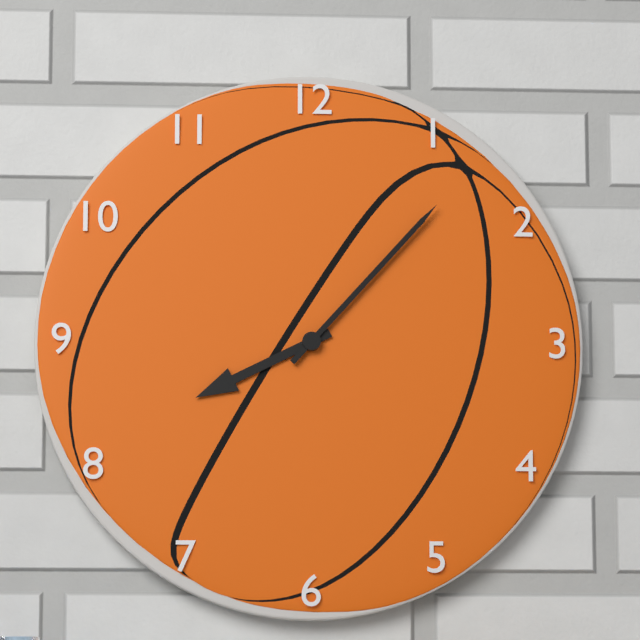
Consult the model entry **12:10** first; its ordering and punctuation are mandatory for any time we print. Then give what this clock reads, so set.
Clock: **8:07**
